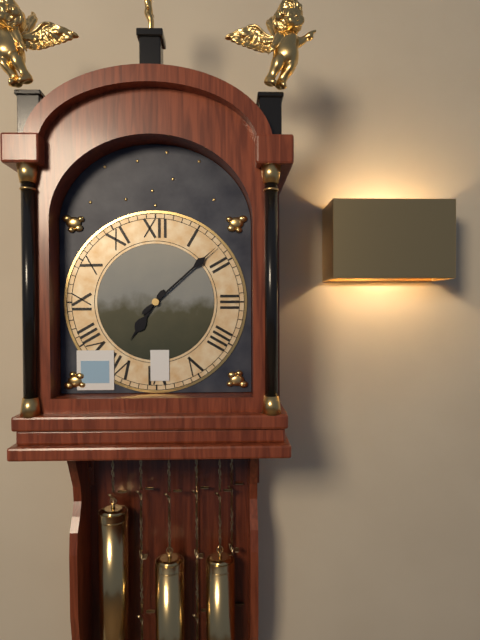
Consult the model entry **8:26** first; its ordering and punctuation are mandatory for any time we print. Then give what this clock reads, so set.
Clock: **7:08**
